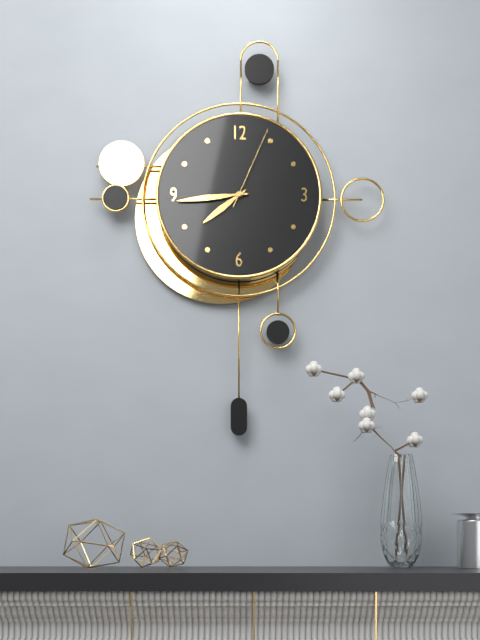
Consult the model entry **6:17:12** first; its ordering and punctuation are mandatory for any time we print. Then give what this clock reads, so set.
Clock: **7:44:04**
